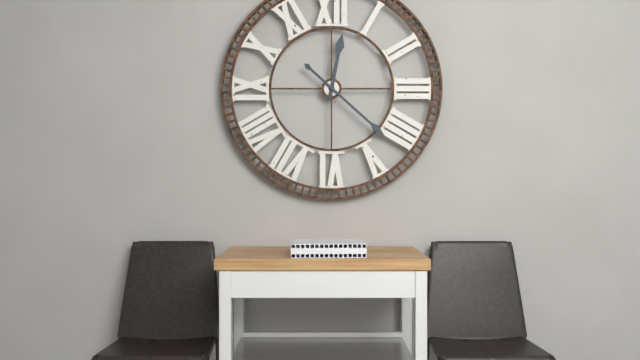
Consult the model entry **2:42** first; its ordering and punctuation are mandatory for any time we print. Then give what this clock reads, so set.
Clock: **12:22**
